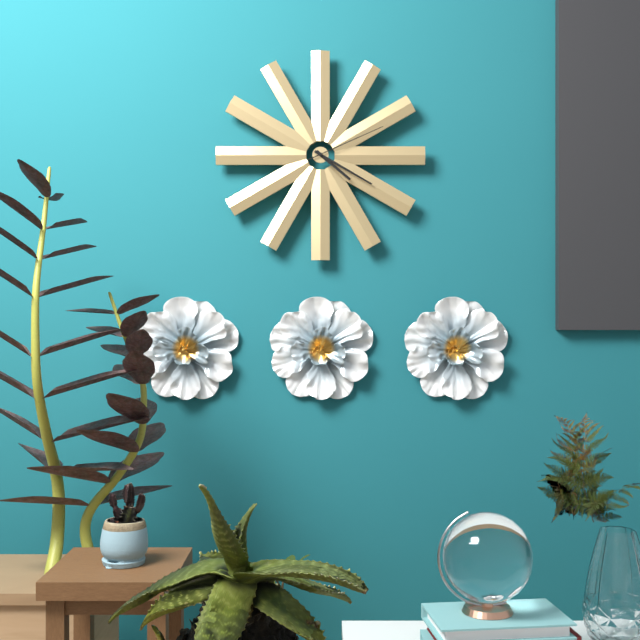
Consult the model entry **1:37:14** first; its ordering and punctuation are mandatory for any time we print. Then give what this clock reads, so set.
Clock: **4:20:11**
